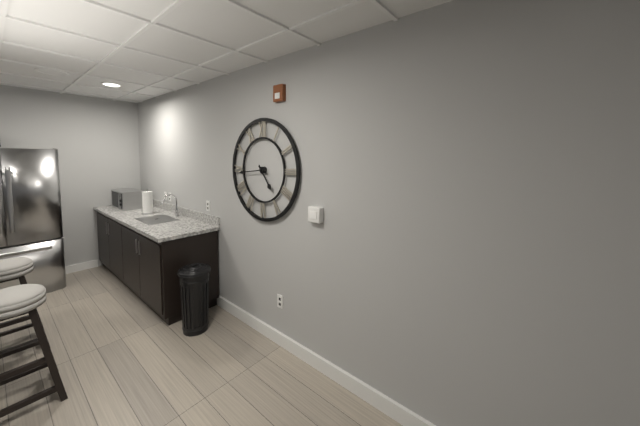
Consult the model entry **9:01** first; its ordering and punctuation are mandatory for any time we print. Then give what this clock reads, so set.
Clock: **4:44**
